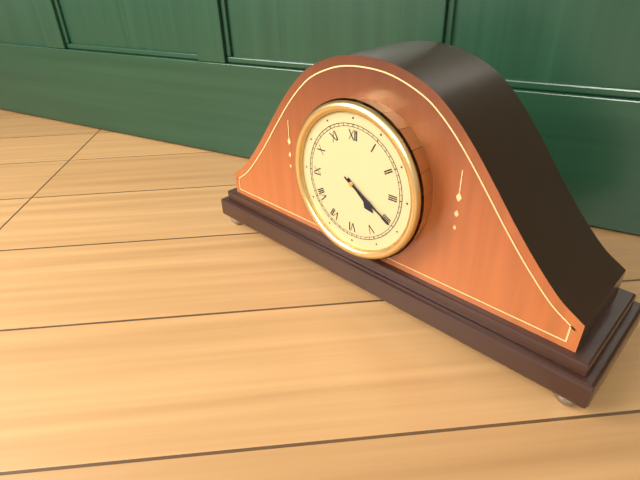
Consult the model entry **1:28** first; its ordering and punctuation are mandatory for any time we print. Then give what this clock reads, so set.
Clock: **4:20**
